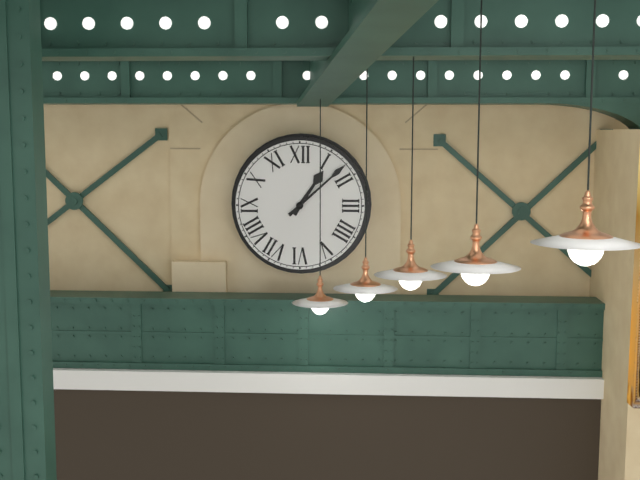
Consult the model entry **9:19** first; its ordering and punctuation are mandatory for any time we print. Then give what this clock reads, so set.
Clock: **1:08**
